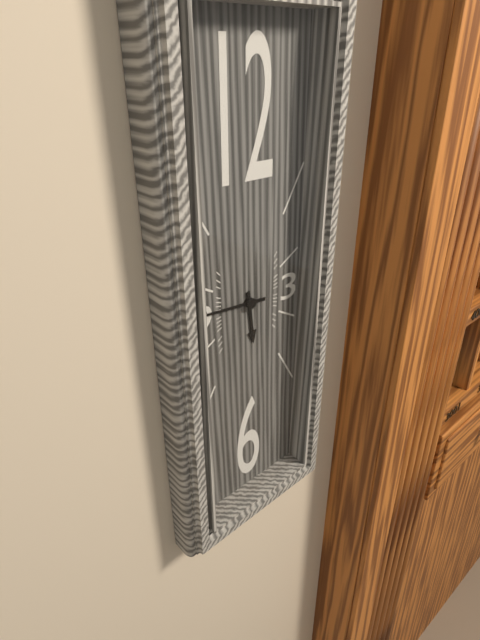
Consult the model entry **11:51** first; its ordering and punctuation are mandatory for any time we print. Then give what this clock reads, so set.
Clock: **5:46**
